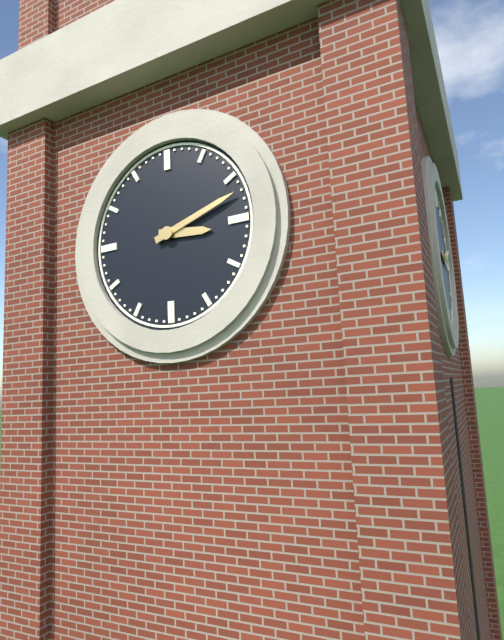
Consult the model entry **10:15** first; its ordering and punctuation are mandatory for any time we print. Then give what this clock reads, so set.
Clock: **3:12**
